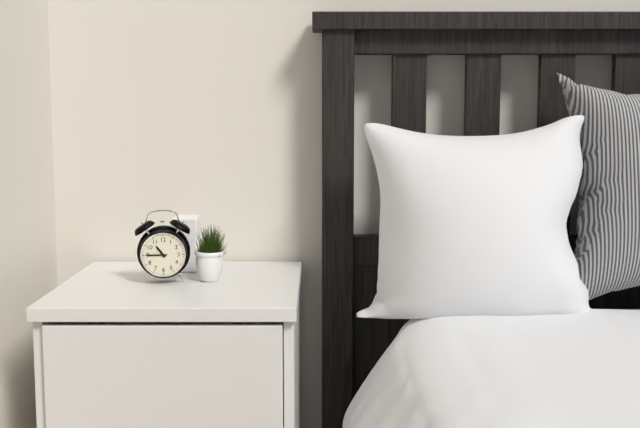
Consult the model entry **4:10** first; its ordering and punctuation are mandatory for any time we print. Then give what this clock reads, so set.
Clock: **10:45**
